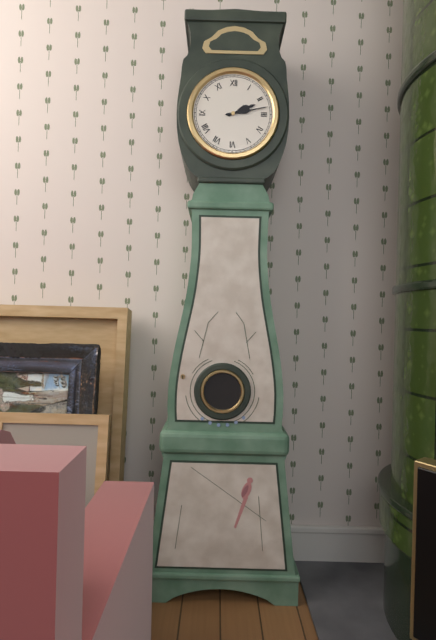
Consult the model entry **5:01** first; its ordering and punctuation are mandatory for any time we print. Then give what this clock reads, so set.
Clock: **2:13**
